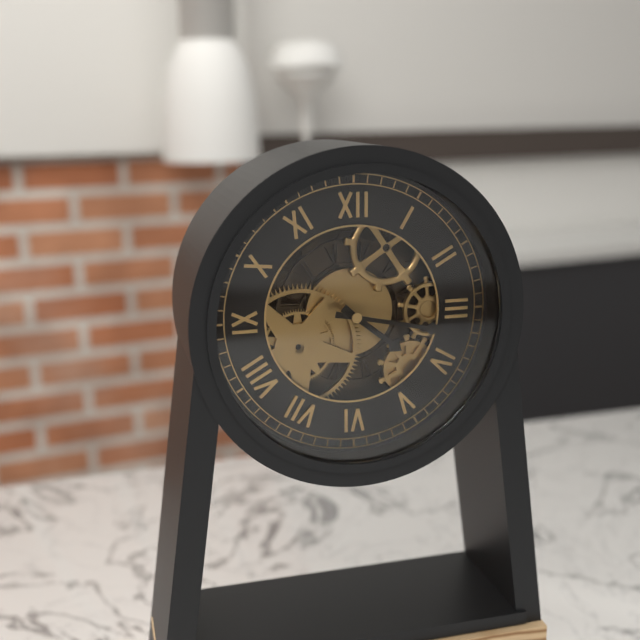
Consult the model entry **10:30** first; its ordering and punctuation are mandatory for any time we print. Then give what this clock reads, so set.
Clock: **4:17**
